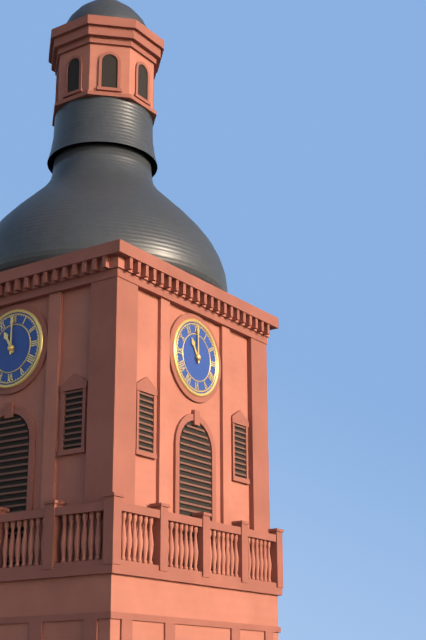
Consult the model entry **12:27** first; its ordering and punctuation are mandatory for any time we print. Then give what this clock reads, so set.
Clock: **11:00**
